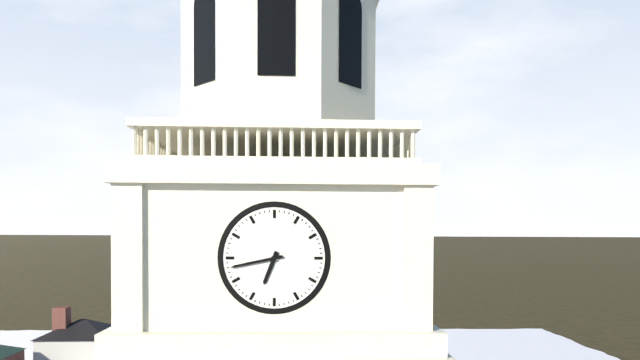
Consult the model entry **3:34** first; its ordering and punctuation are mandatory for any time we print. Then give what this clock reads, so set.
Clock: **6:43**
